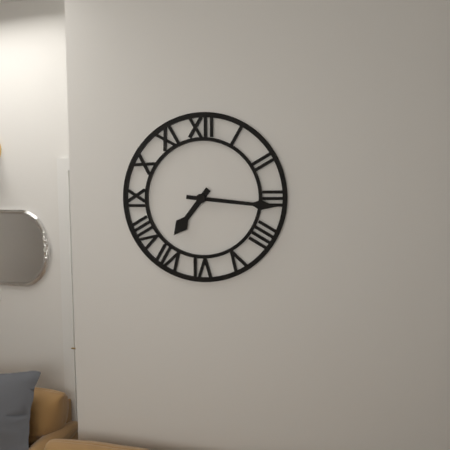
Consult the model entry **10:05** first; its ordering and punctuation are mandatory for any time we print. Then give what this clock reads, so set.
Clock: **7:16**
